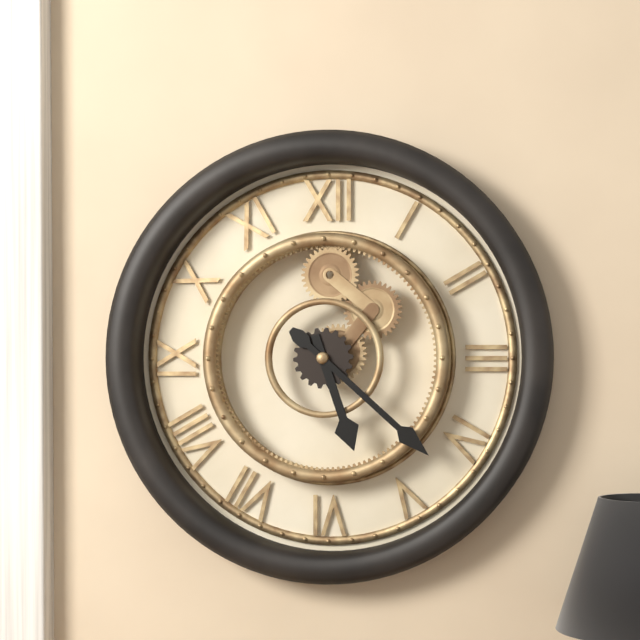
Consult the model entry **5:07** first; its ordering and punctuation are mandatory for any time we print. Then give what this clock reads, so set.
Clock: **5:22**
